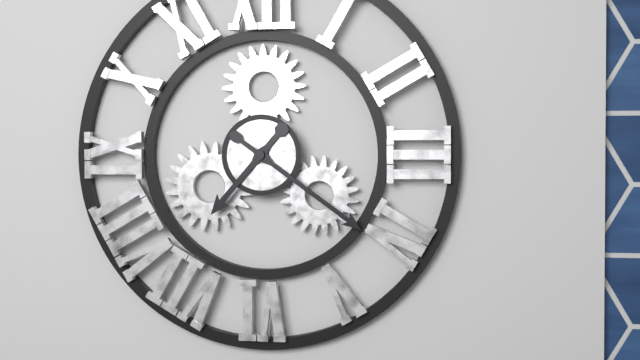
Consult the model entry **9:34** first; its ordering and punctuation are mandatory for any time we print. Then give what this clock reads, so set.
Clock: **7:21**
